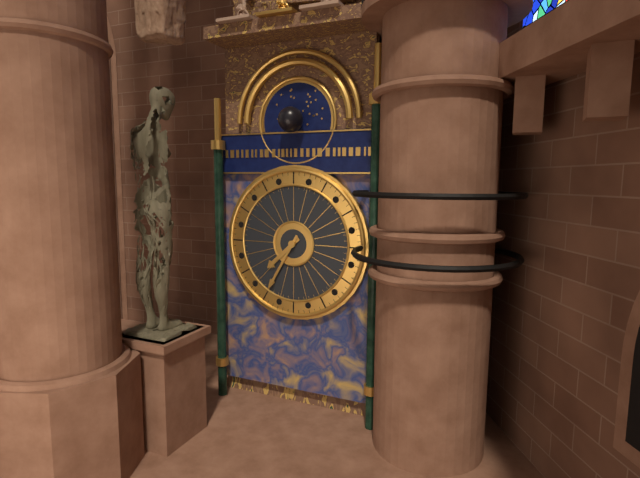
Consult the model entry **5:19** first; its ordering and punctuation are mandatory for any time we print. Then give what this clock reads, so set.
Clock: **7:35**
